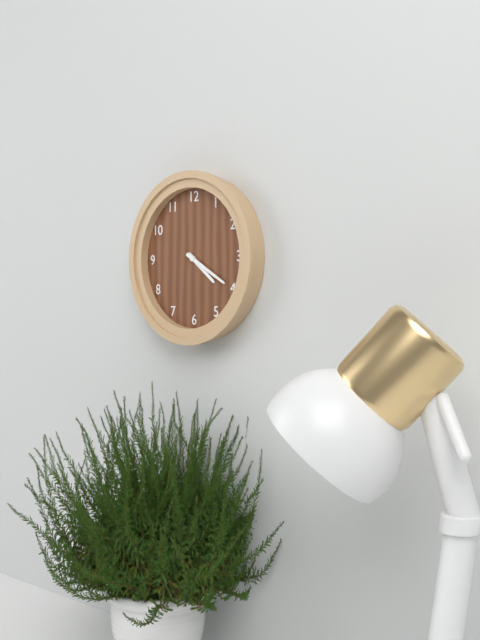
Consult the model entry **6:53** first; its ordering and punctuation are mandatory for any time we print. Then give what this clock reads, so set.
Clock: **4:20**
